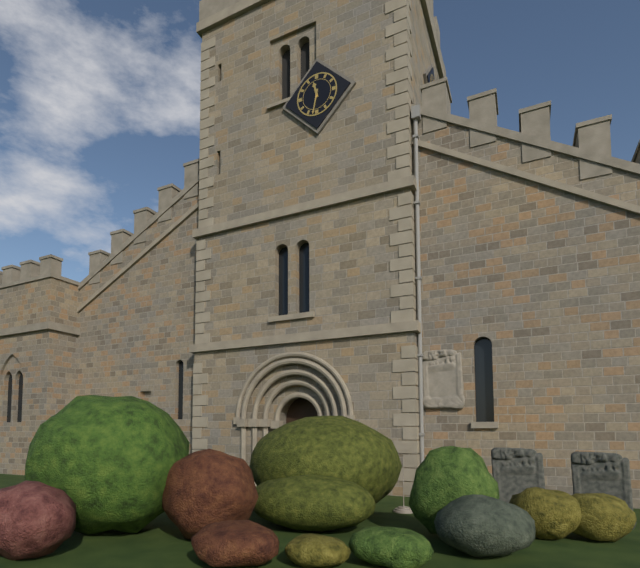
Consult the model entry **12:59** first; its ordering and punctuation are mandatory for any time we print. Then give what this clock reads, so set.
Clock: **11:32**
